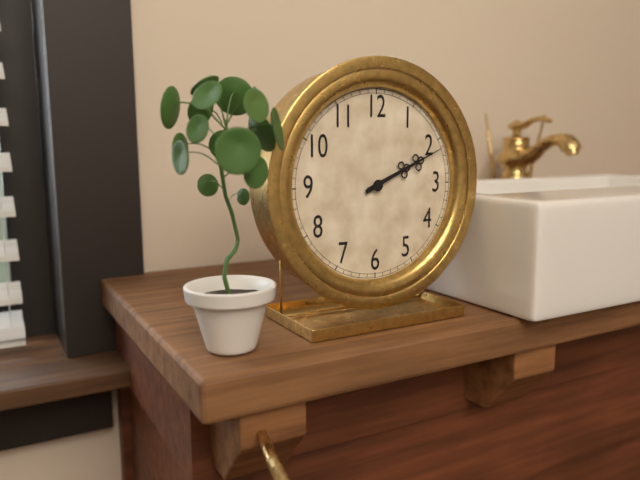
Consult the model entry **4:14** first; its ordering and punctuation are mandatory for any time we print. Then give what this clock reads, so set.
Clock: **2:11**
